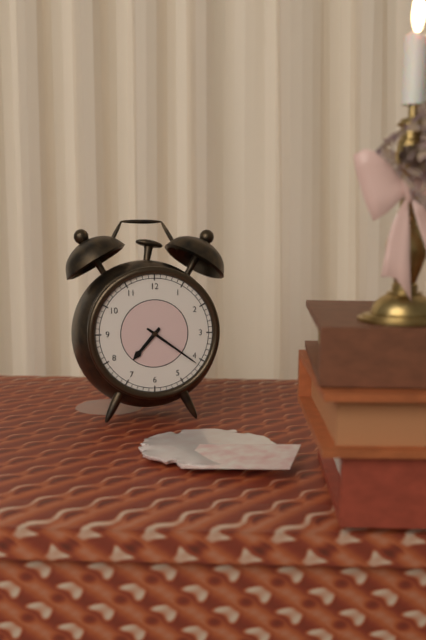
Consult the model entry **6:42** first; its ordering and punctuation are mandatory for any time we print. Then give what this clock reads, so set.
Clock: **7:21**
